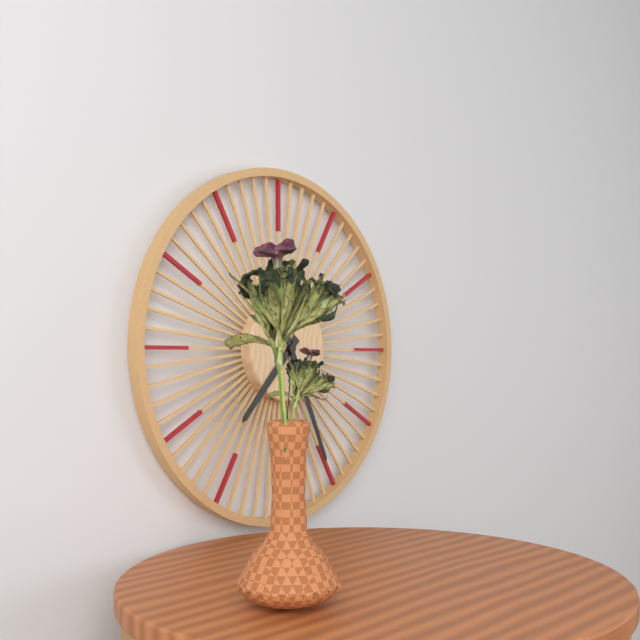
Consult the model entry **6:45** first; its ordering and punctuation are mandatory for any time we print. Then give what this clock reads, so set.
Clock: **7:26**
